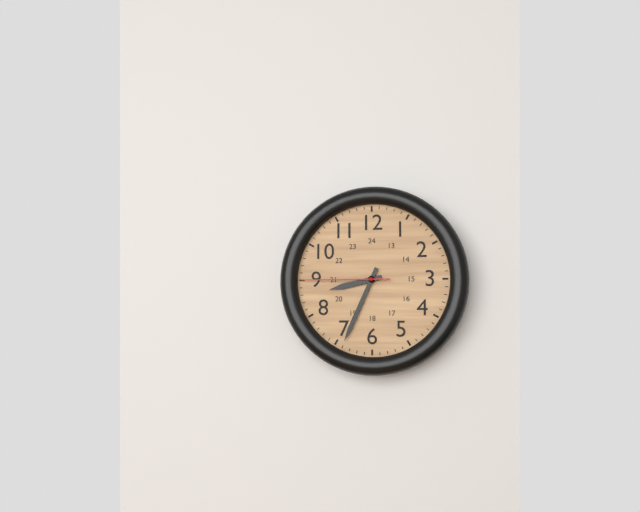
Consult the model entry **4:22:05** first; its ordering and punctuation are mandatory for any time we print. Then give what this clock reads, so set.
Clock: **8:34:45**
